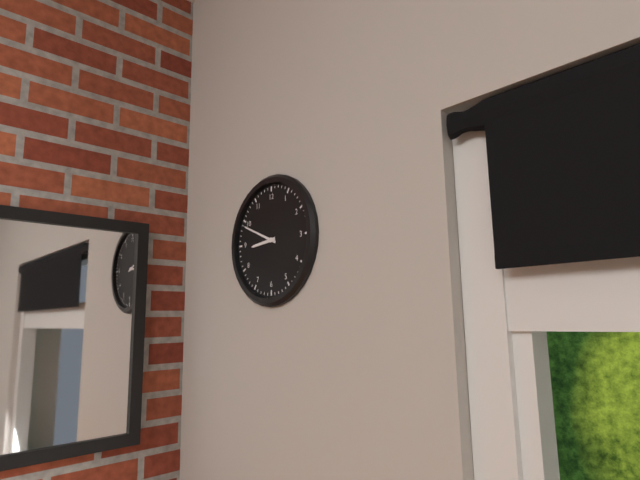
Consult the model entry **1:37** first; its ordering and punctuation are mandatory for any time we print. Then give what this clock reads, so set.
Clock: **8:49**
